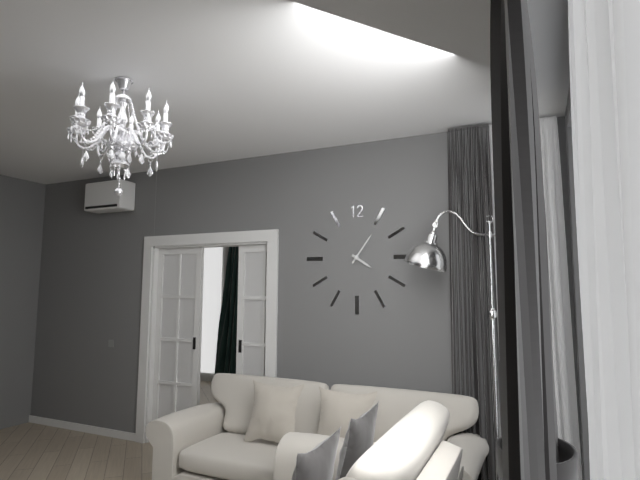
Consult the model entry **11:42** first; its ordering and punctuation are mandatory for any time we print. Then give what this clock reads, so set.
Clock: **4:06**
